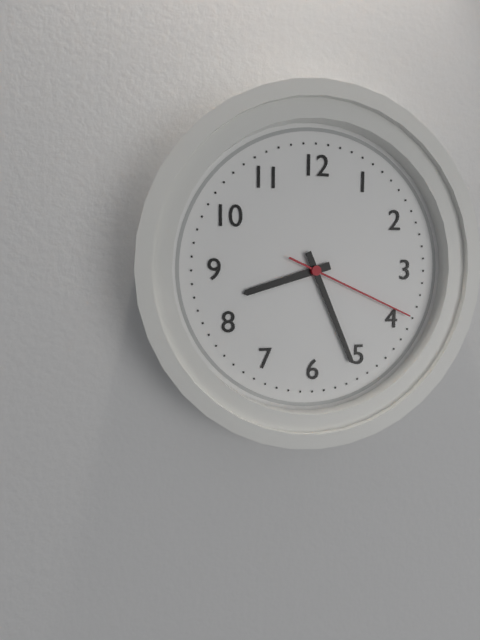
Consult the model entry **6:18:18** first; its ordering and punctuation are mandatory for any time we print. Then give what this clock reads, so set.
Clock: **8:26:19**
